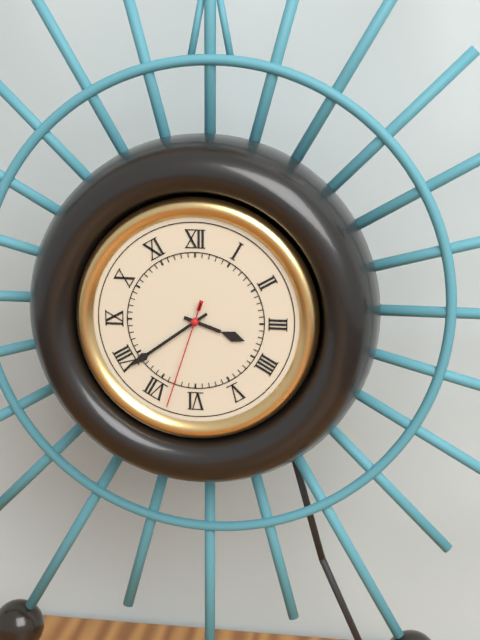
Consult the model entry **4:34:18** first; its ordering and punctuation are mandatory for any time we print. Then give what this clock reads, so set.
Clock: **3:39:33**
